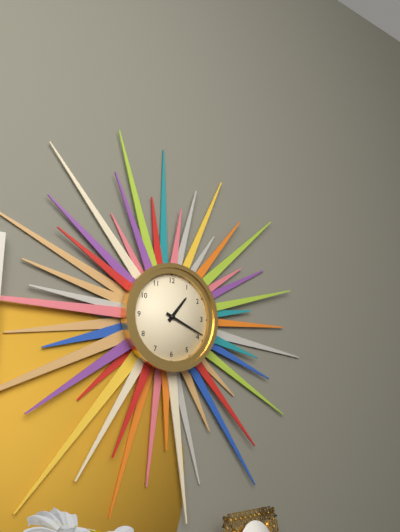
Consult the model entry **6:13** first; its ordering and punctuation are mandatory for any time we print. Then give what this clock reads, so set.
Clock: **1:19**
